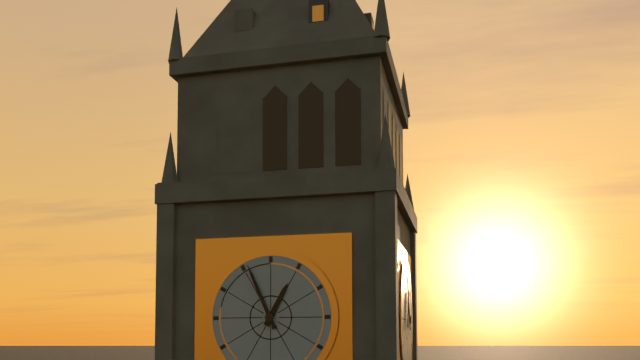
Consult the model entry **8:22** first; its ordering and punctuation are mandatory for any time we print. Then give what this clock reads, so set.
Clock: **12:56**
